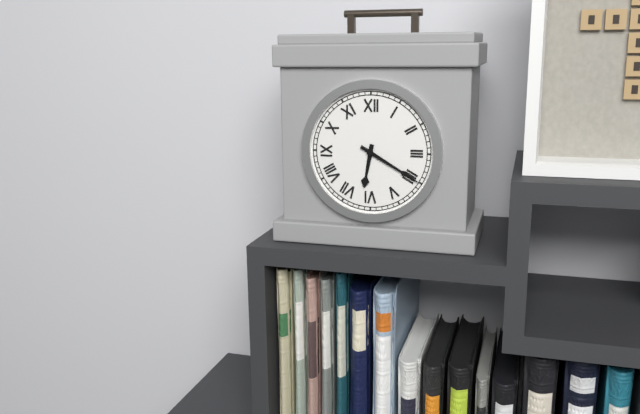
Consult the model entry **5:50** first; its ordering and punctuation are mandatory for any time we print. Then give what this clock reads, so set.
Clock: **6:20**
